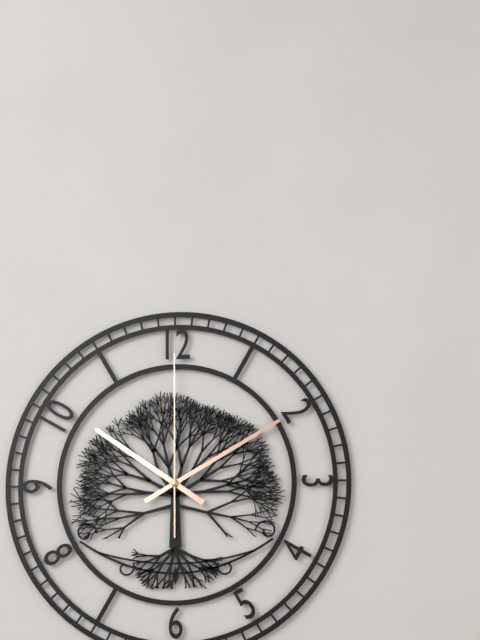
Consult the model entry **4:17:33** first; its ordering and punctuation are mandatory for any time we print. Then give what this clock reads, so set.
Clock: **10:10:00**
